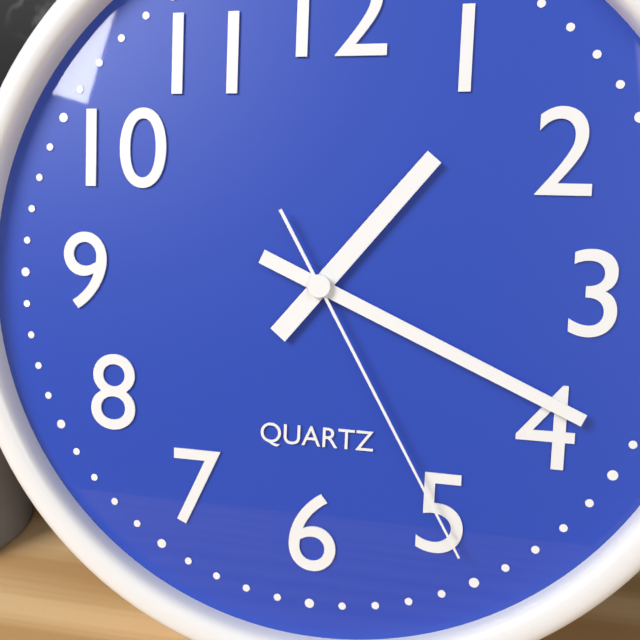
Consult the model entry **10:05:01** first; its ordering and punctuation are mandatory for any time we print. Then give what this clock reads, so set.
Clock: **1:19:25**
